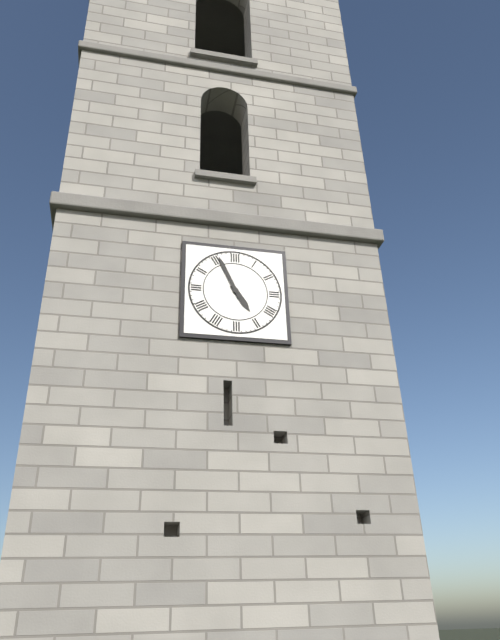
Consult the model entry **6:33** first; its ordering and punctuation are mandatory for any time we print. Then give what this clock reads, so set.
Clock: **4:56**
